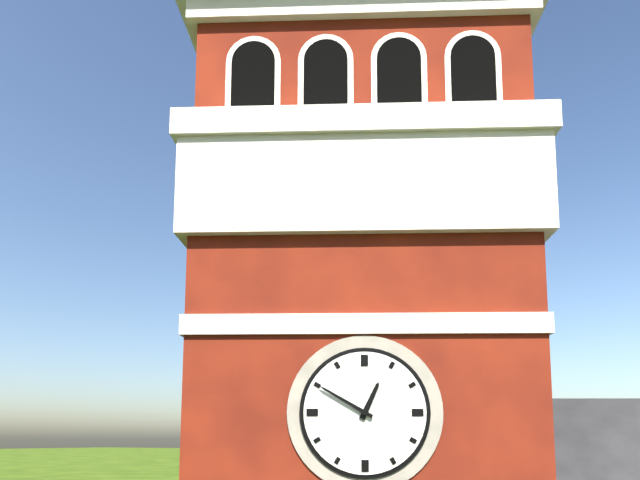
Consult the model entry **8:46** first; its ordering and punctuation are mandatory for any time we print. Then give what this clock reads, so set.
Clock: **12:50**
